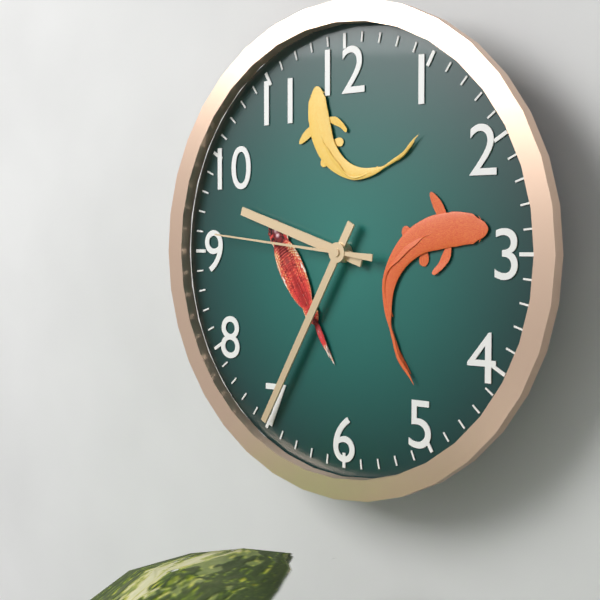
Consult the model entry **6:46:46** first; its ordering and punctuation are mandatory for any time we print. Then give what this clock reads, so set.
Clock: **9:35:46**
